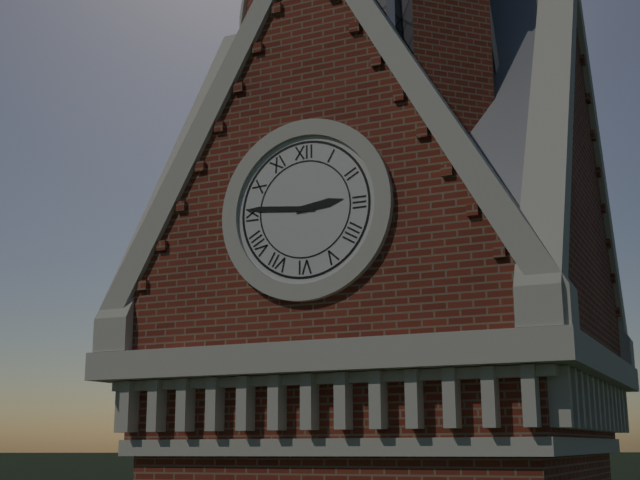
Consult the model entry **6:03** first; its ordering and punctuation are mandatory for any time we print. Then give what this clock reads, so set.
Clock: **2:46**
